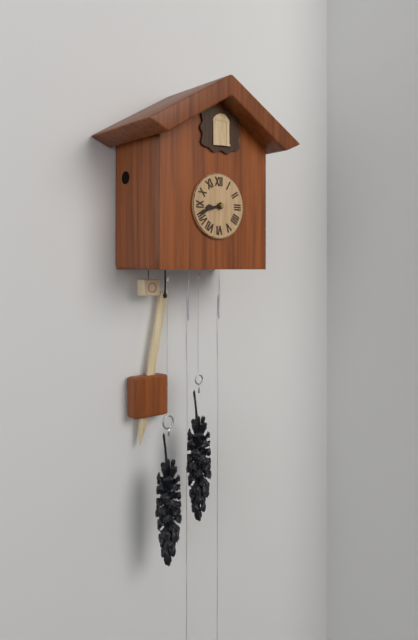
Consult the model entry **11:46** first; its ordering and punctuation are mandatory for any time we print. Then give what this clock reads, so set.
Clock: **8:42**
